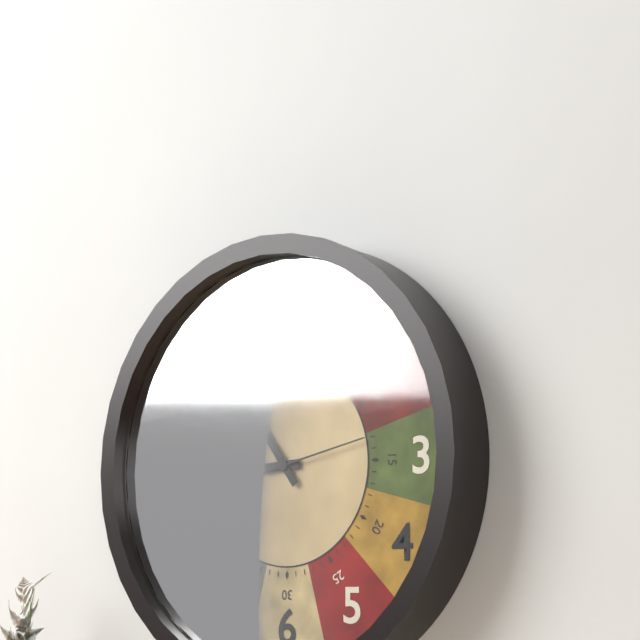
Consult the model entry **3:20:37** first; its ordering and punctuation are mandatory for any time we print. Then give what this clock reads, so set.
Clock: **8:54:13**
